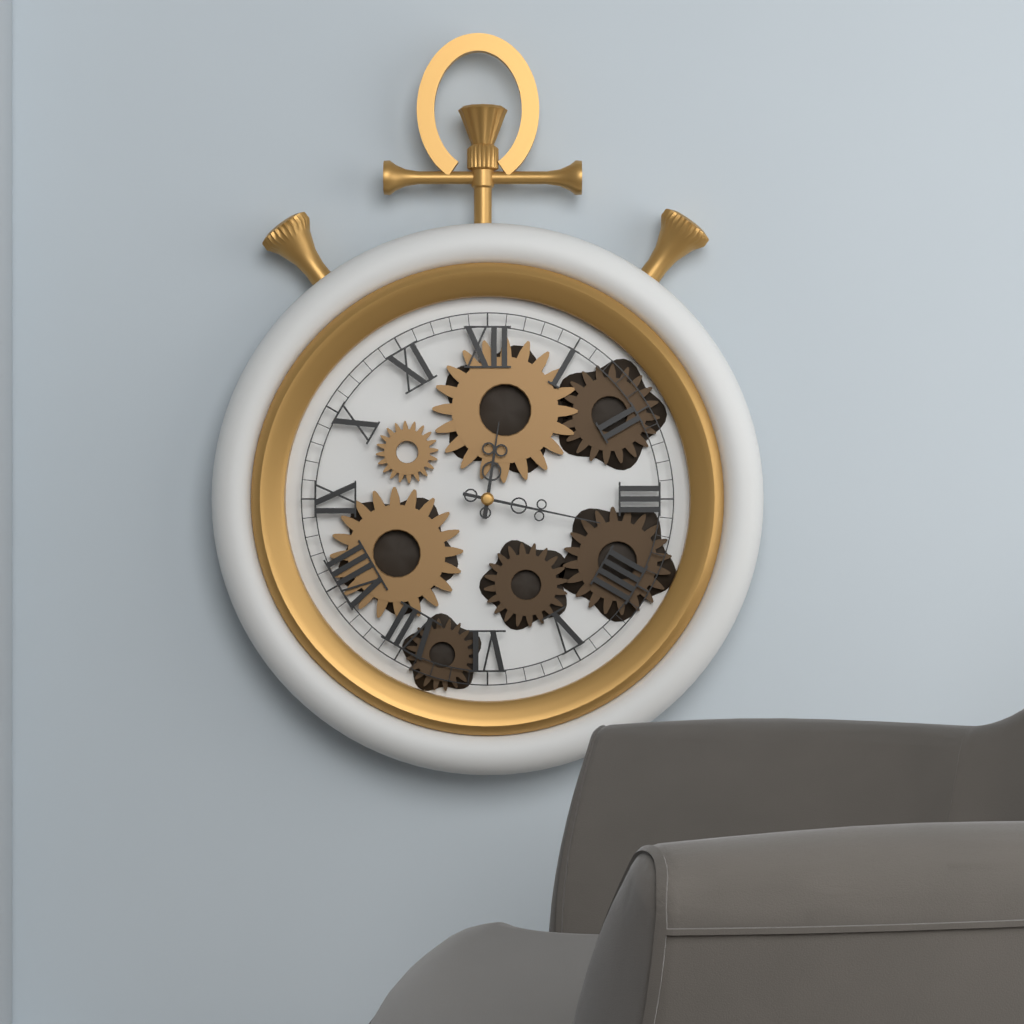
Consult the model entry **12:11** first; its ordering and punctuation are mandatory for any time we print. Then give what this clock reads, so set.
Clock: **12:17**
